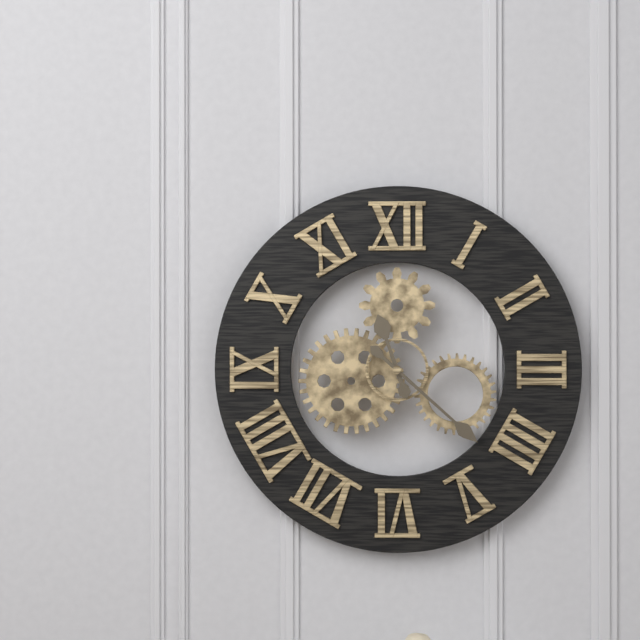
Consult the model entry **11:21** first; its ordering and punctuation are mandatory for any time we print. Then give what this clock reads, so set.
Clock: **11:22**
